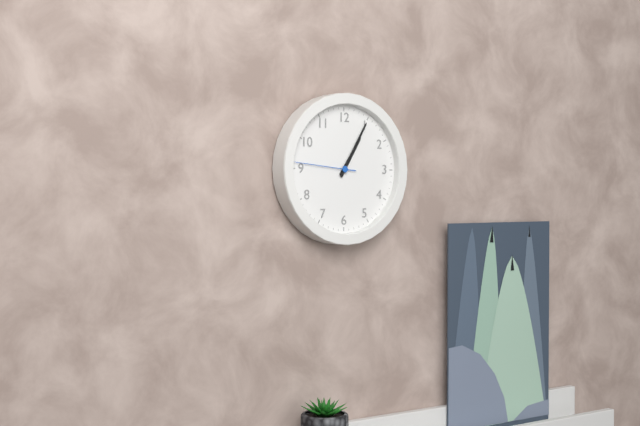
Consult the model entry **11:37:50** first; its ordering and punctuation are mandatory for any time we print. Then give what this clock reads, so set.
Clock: **1:05:46**
